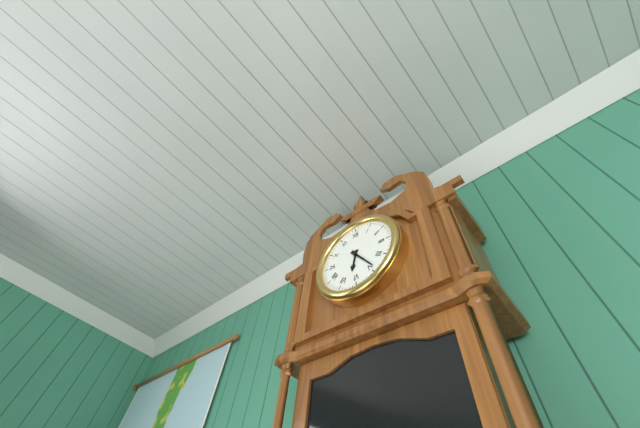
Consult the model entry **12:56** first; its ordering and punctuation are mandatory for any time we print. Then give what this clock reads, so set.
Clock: **6:24**
